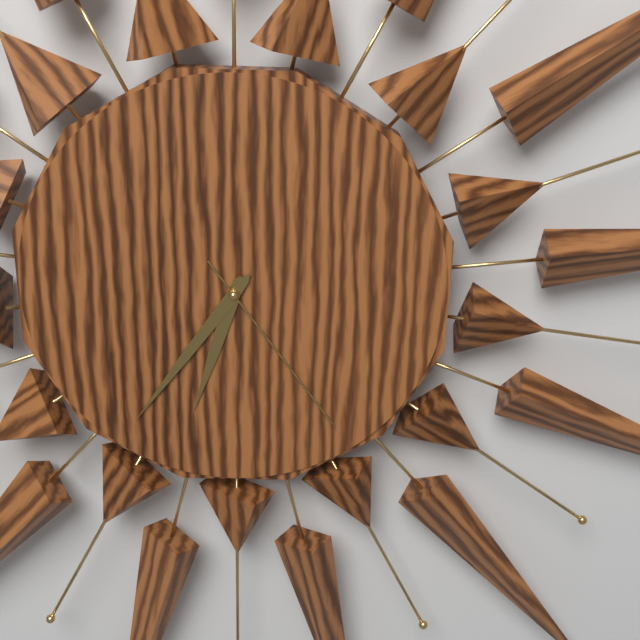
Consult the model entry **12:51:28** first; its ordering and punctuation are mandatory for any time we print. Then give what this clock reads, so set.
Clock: **6:36:24**
